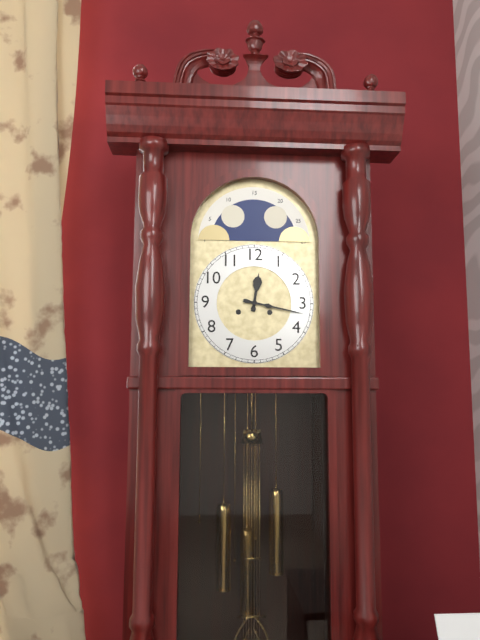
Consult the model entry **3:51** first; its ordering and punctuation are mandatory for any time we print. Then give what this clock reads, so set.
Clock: **12:17**
